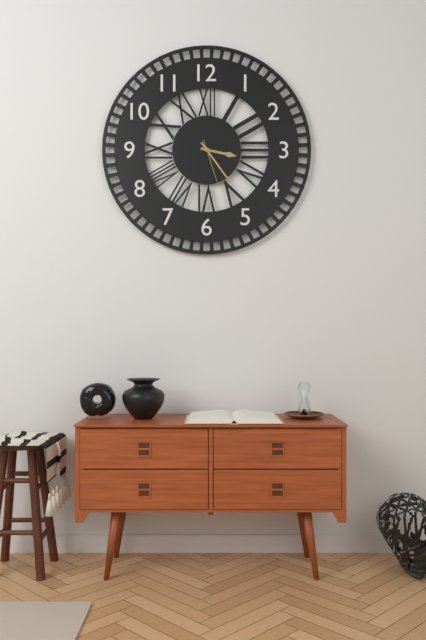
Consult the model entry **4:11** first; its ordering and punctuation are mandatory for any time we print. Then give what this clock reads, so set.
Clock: **3:24**
